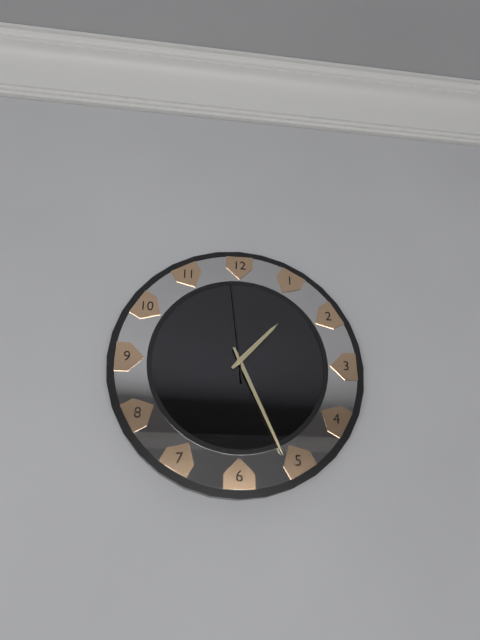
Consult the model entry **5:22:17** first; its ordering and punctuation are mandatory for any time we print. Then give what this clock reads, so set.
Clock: **1:26:59**
